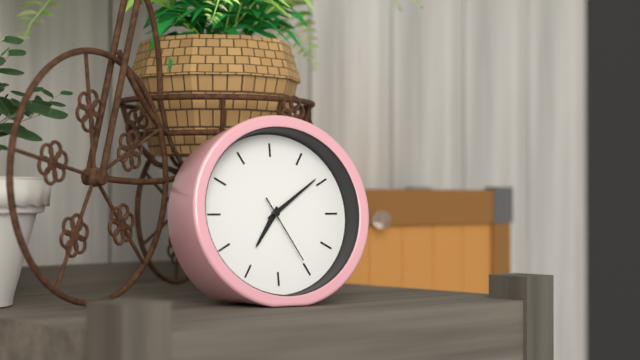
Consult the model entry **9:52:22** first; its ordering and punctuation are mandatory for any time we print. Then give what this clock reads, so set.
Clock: **7:09:25**
